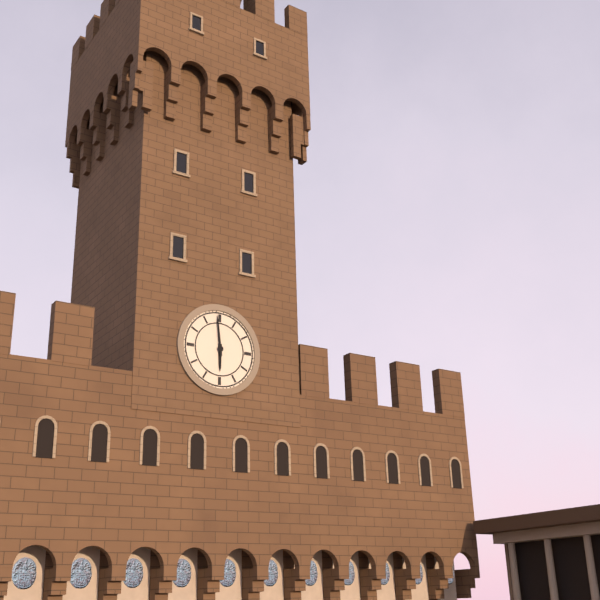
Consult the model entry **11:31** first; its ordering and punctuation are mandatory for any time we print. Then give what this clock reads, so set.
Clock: **5:59**
